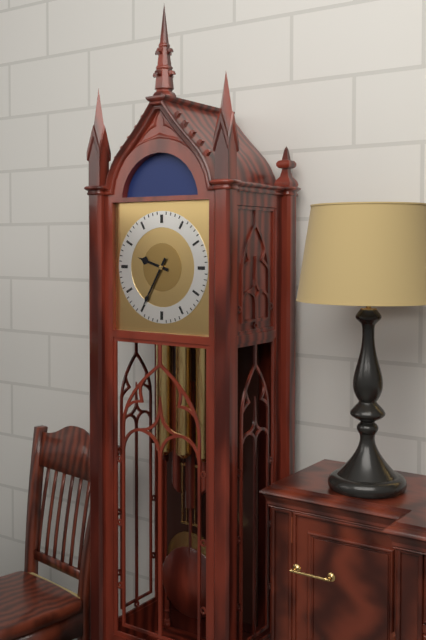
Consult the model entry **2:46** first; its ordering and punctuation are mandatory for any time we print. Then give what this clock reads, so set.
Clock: **9:35**
